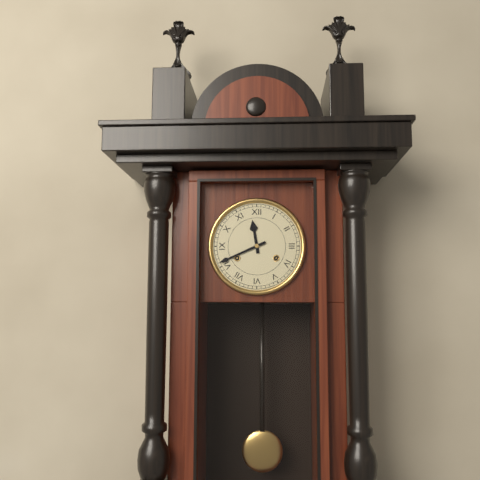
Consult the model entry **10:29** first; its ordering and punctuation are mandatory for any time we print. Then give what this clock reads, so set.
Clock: **11:41**
